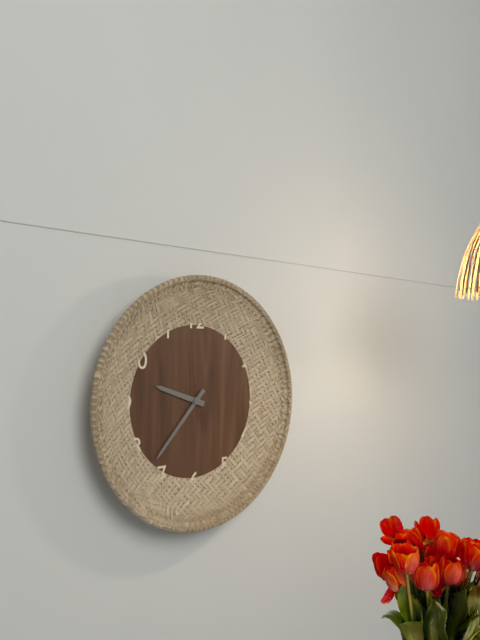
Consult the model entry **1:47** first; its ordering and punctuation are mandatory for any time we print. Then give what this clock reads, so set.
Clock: **9:37**
